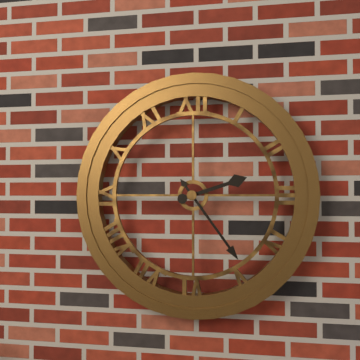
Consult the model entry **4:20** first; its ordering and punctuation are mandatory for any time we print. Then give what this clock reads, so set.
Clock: **2:24**
